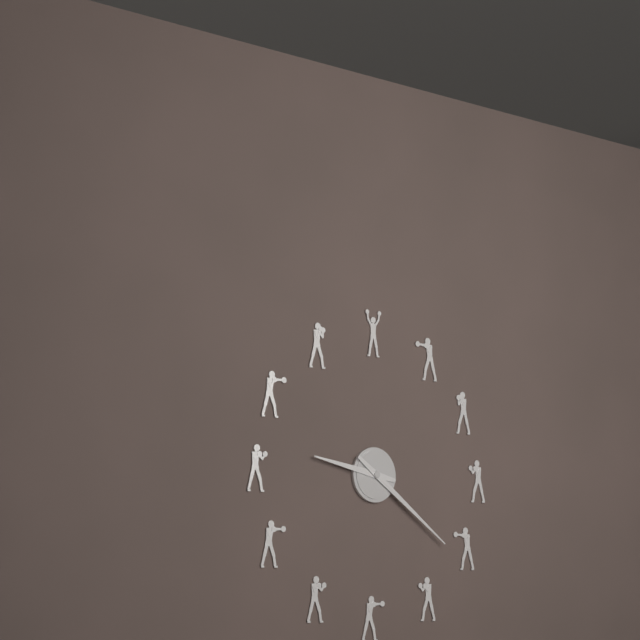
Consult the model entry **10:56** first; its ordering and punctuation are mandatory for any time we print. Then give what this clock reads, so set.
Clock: **9:21**
